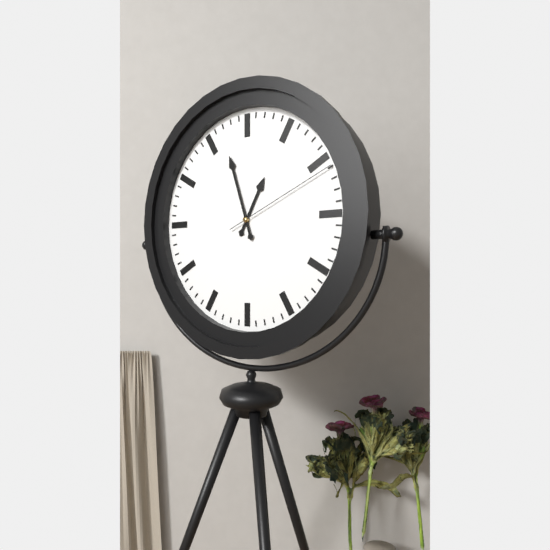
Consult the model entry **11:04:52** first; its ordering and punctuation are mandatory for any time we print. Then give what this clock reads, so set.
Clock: **12:57:11**
